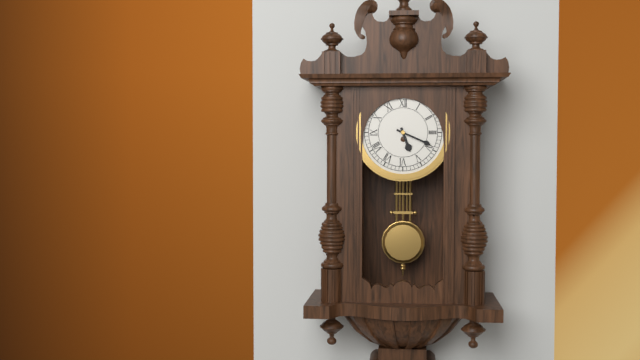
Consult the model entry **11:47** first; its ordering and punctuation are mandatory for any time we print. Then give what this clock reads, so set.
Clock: **5:19**
